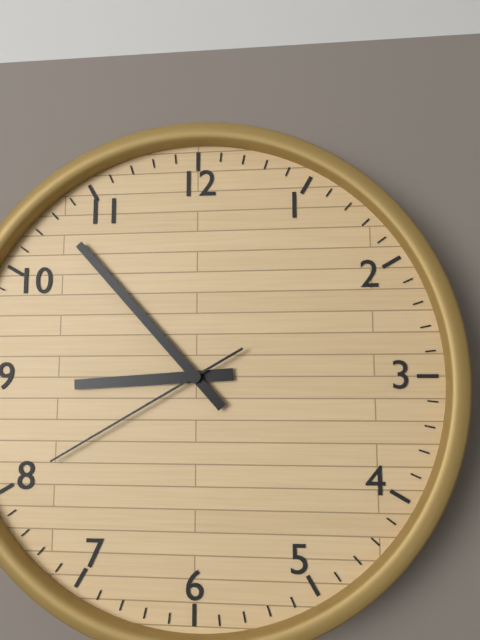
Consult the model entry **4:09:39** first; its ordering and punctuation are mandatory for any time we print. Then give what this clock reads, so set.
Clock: **8:53:40**
